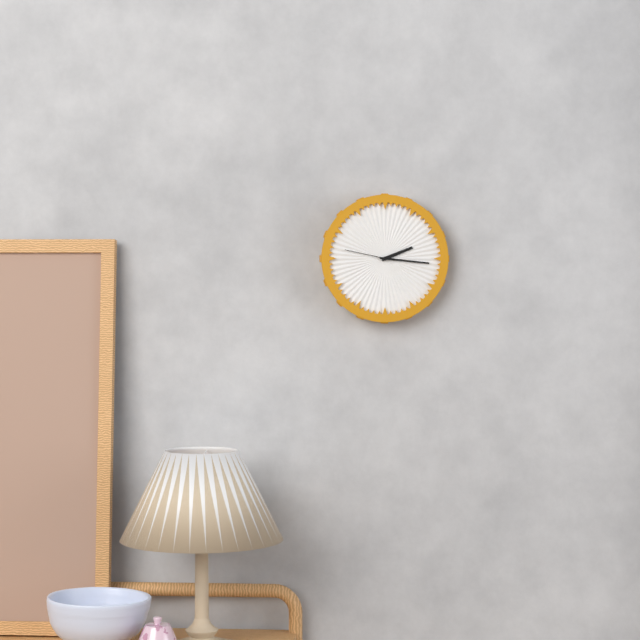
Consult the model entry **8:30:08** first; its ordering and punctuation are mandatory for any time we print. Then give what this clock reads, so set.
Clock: **2:16:47**
